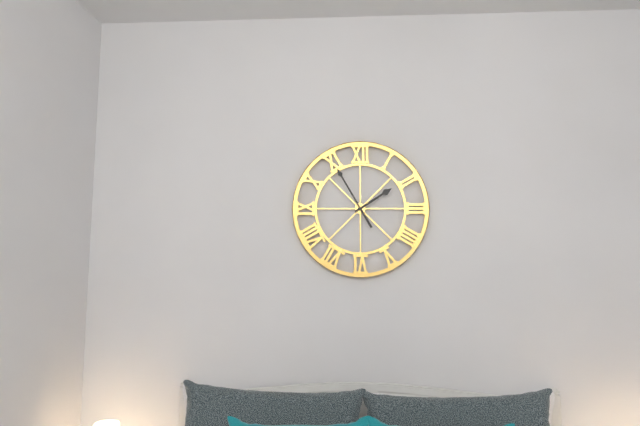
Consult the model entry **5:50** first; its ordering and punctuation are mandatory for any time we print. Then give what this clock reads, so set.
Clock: **1:55**
